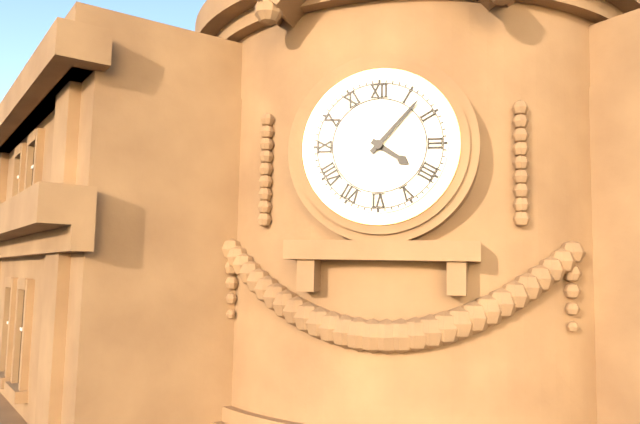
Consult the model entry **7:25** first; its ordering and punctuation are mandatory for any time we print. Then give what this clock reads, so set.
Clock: **4:07**
